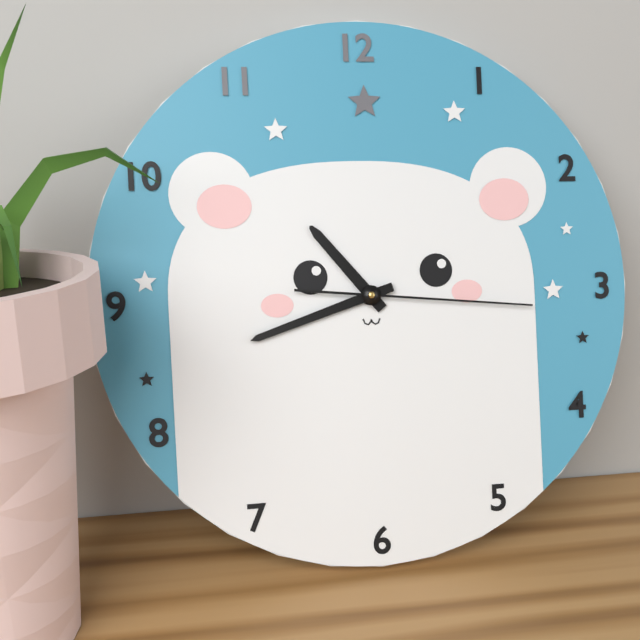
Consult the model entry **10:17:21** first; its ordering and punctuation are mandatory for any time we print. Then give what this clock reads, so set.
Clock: **10:42:16**
